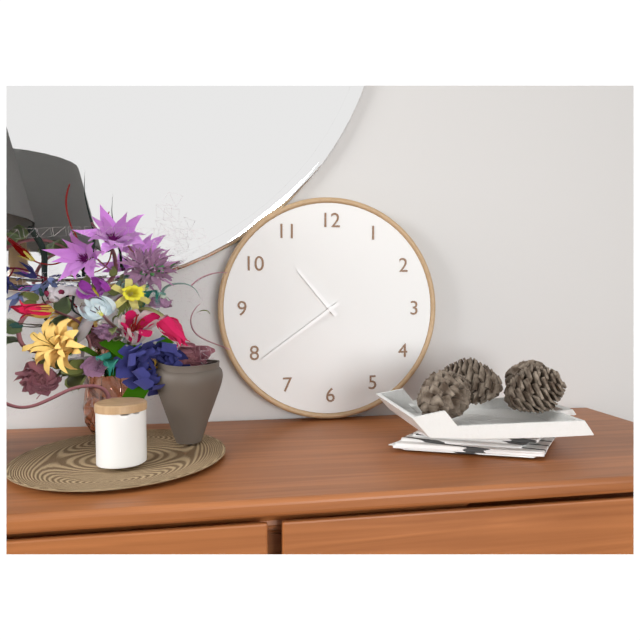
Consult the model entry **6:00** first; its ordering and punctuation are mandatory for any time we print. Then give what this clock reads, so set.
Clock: **10:39**
